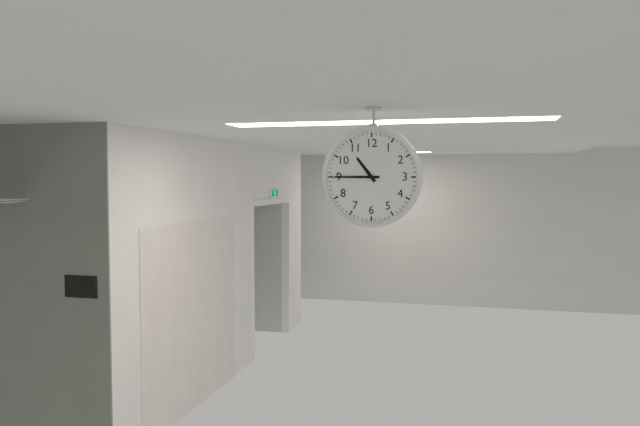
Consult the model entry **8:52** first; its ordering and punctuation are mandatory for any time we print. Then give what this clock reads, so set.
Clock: **10:45**
